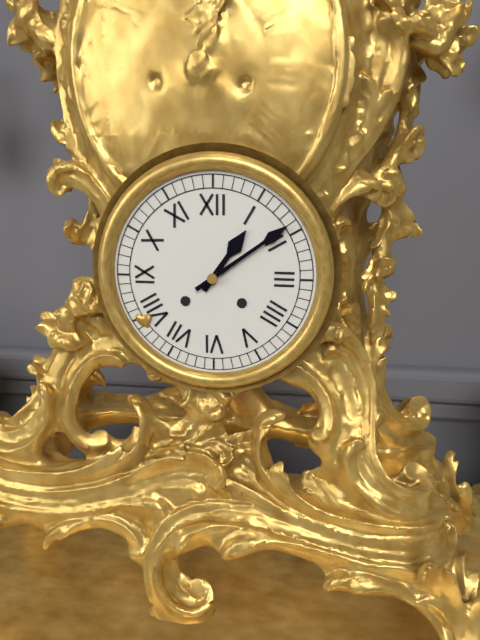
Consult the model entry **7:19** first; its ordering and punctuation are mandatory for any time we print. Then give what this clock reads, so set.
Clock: **1:09**
